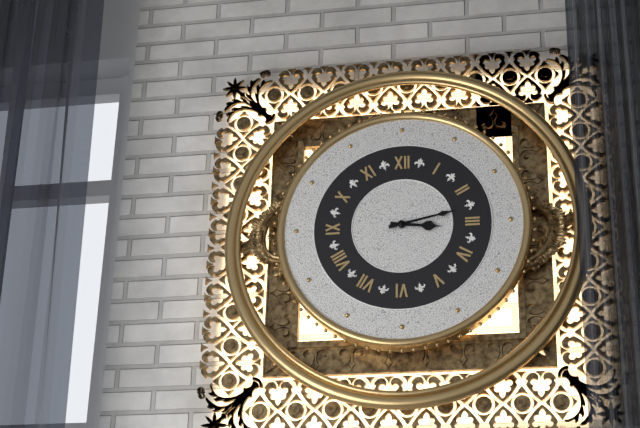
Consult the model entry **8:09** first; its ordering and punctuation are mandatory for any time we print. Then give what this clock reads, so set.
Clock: **3:13**
